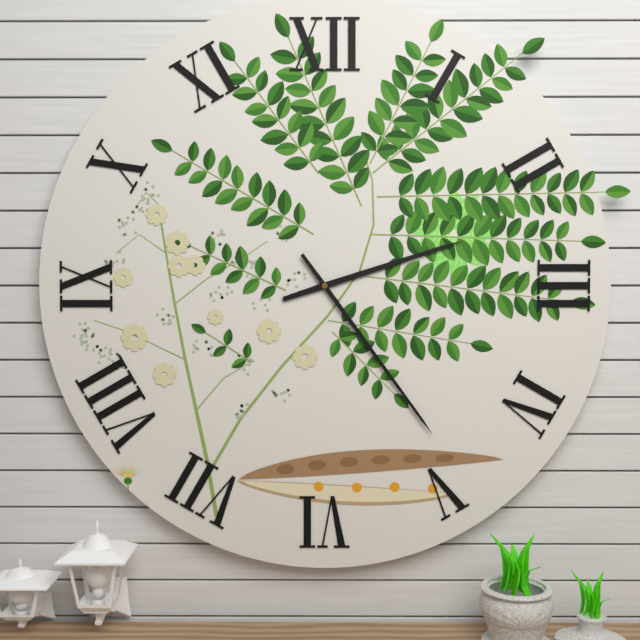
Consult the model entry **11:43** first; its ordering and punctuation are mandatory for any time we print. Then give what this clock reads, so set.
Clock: **2:24**
